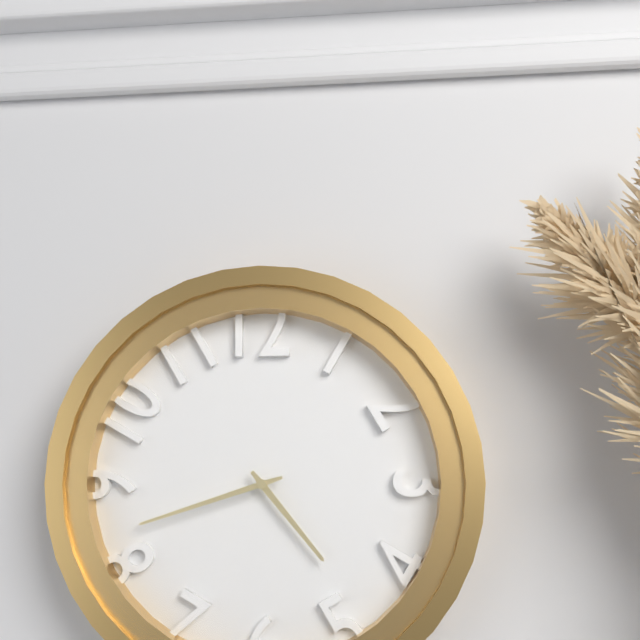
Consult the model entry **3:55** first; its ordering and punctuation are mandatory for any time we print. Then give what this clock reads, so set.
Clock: **4:42**
